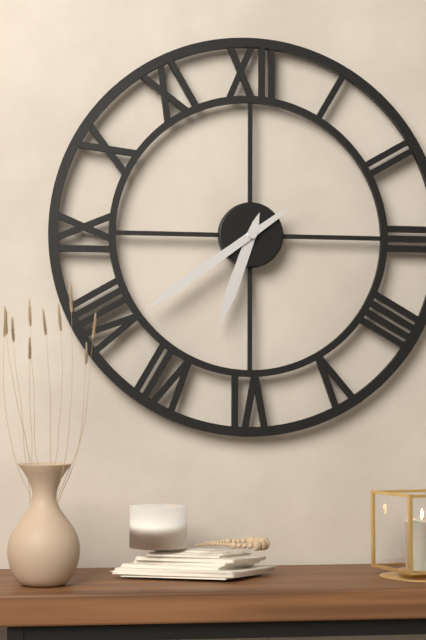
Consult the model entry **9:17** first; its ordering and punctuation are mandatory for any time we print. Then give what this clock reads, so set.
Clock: **6:39**
